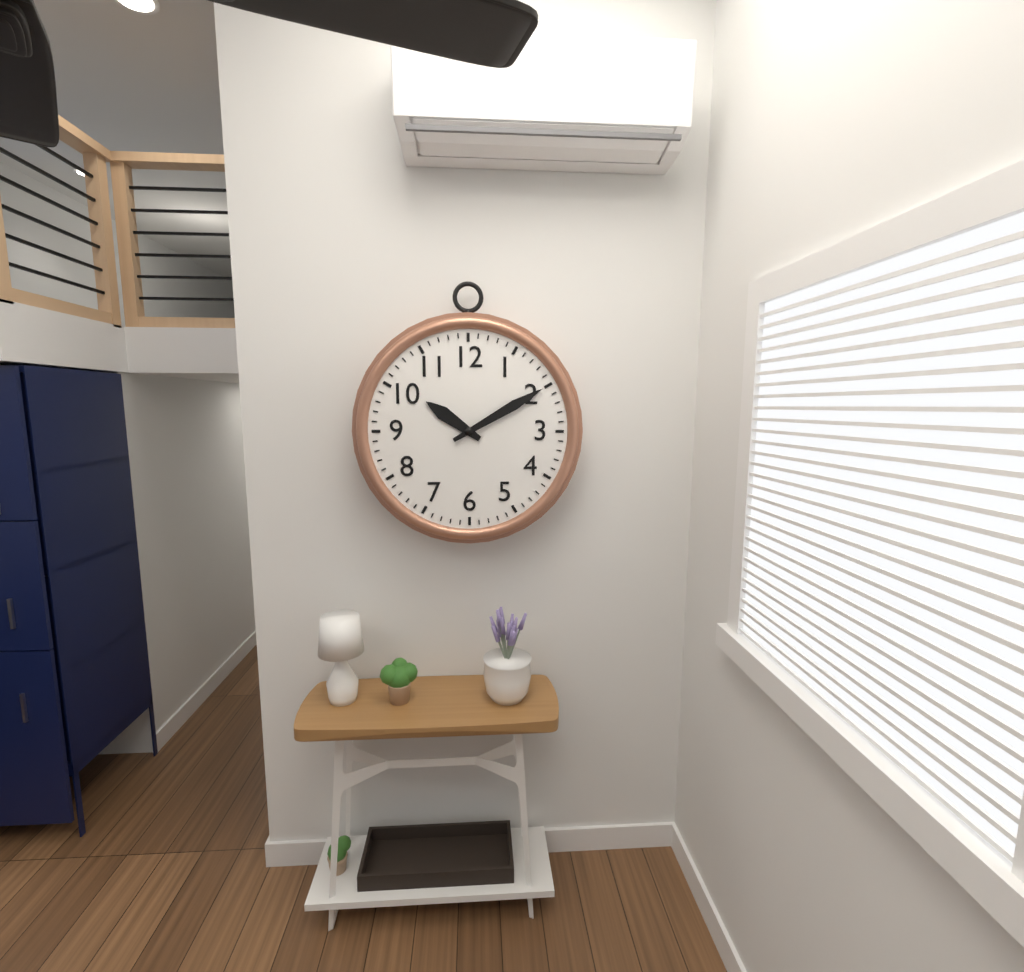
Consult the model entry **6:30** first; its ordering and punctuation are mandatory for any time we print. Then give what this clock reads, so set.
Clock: **10:10**
